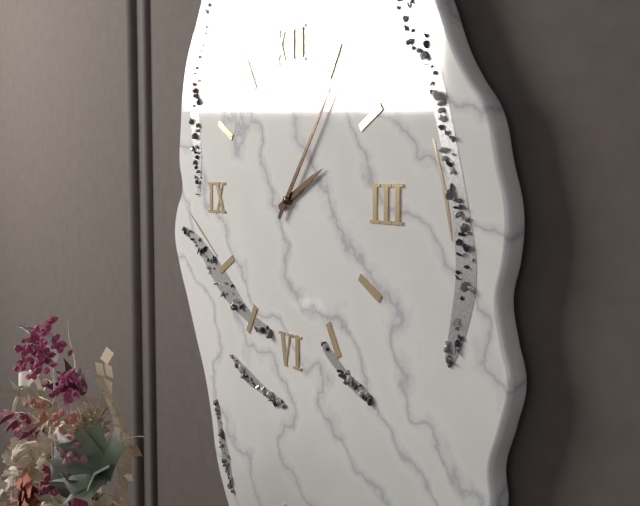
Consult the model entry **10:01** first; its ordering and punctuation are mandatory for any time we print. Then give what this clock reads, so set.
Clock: **2:06**
